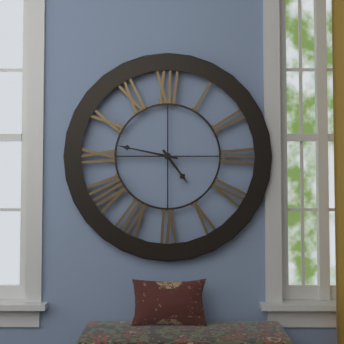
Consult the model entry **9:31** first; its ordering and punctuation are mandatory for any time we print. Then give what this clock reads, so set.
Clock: **4:47**
